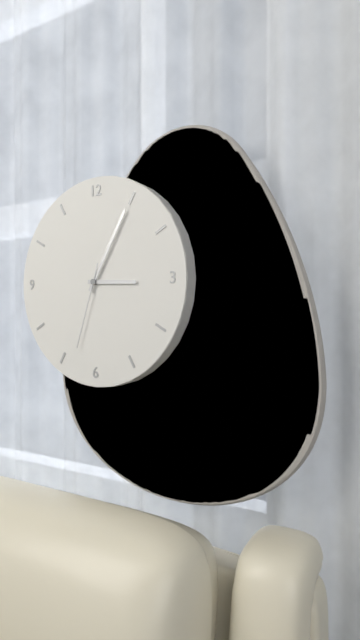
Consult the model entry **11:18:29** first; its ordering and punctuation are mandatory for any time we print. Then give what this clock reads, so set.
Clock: **3:05:33**
